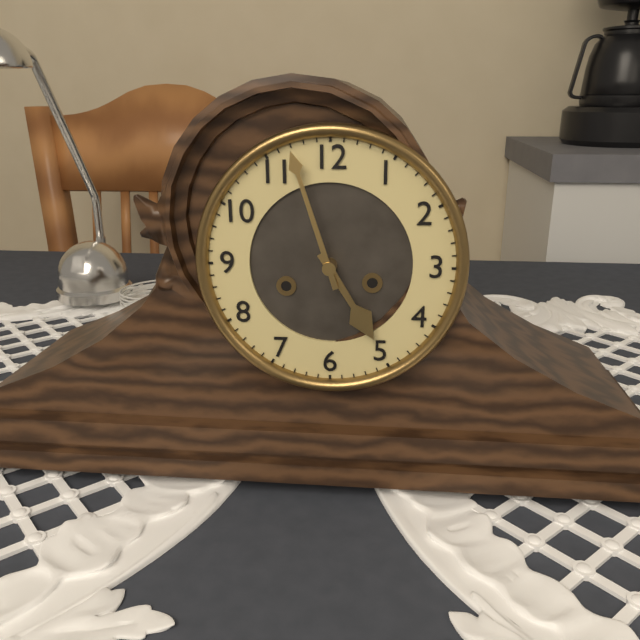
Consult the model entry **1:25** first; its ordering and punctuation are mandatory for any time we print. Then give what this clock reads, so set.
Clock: **4:57**
